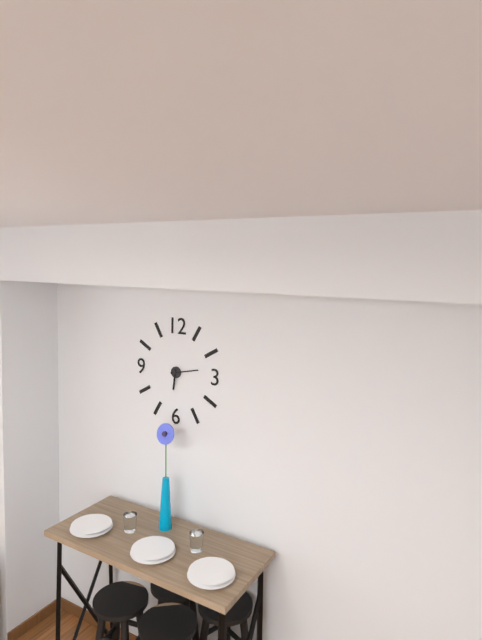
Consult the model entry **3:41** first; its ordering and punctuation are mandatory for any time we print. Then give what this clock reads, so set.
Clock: **6:13**
